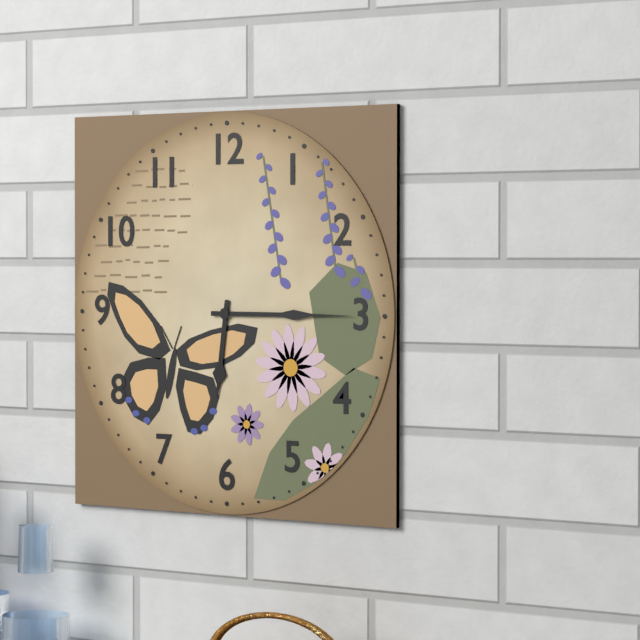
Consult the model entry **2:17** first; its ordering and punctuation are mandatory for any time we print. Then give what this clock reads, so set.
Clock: **6:15**
